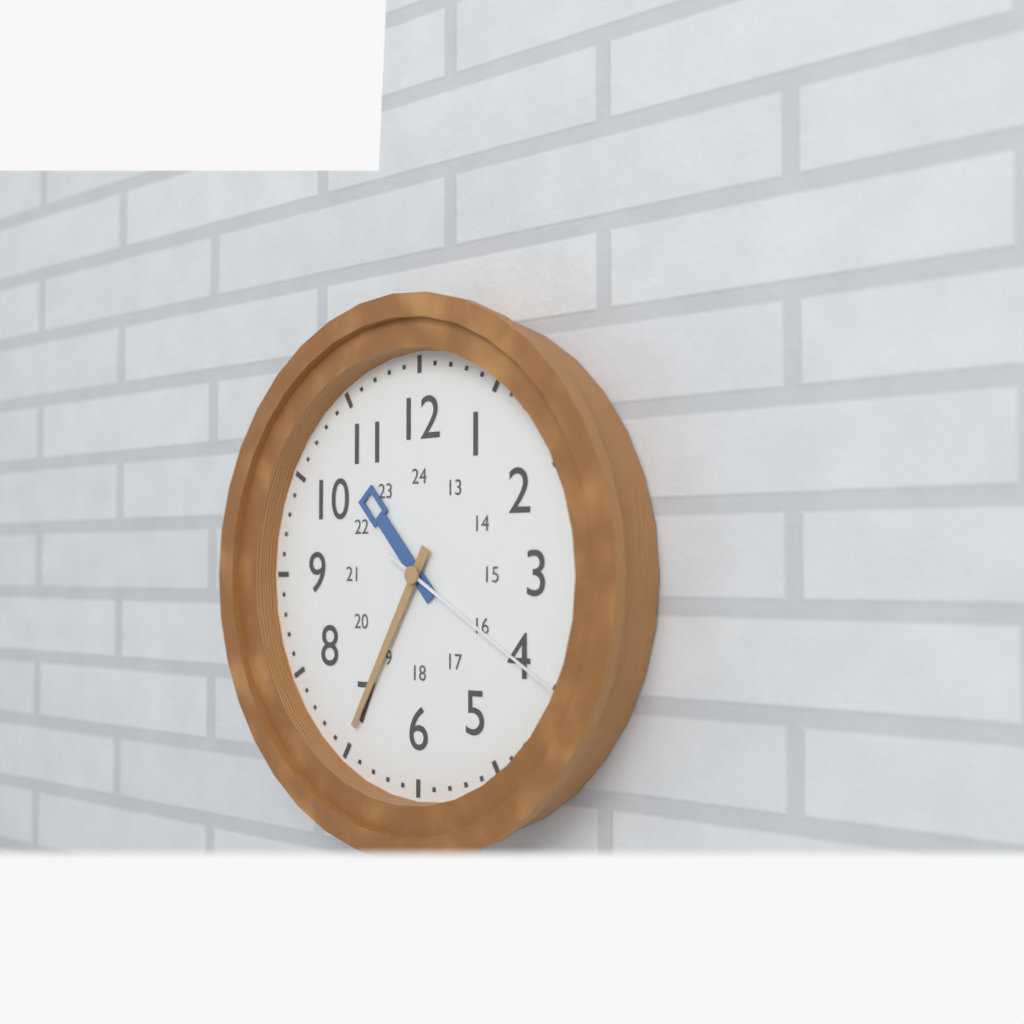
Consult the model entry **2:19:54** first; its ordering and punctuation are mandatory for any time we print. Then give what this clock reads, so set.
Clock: **10:35:20**
